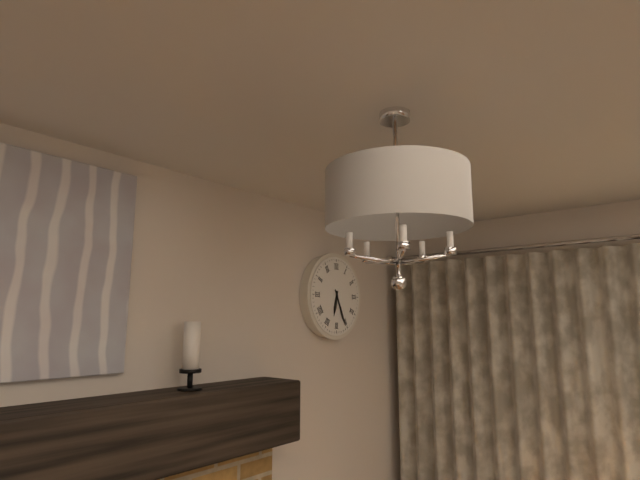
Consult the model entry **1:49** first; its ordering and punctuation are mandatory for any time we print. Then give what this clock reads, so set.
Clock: **6:26**
